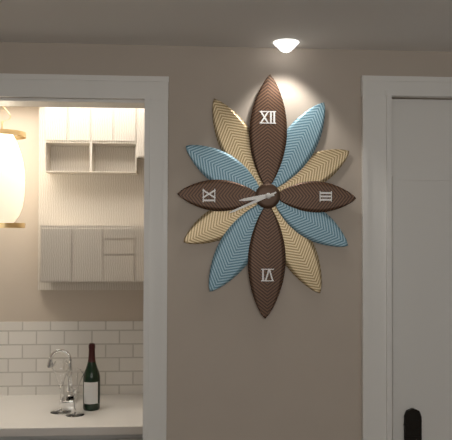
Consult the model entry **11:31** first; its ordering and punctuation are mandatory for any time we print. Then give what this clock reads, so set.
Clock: **8:41**
